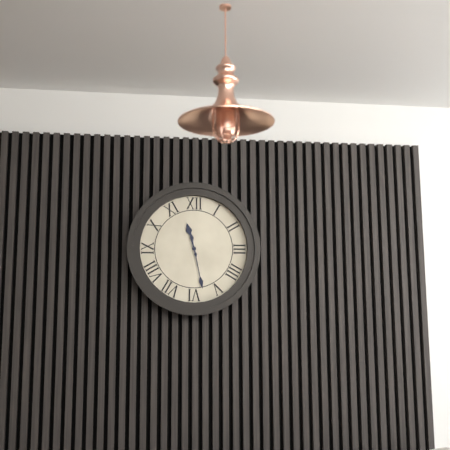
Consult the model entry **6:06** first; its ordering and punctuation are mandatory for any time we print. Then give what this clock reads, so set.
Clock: **11:28**
